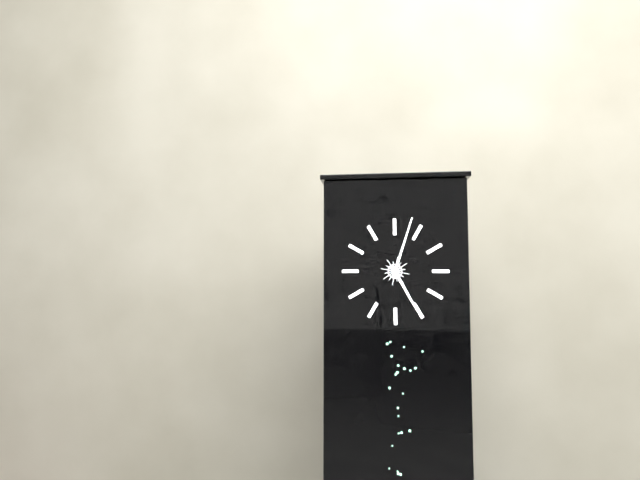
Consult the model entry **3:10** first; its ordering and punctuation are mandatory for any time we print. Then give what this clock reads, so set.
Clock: **5:03**
